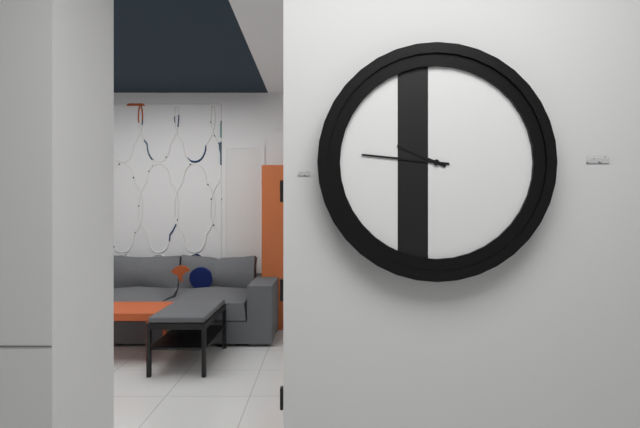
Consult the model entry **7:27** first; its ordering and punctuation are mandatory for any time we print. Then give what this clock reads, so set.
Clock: **9:46**
